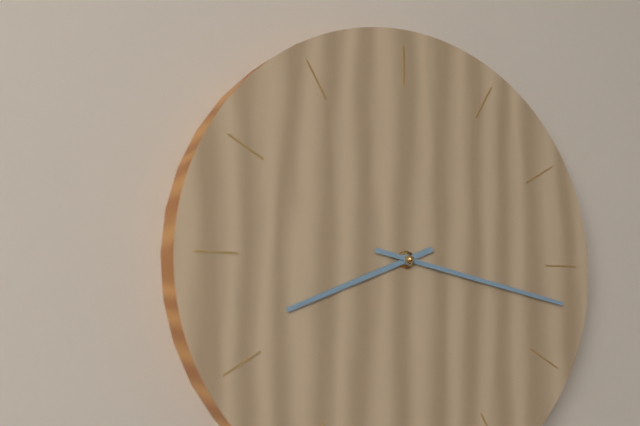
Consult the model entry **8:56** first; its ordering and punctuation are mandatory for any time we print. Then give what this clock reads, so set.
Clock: **8:17**
